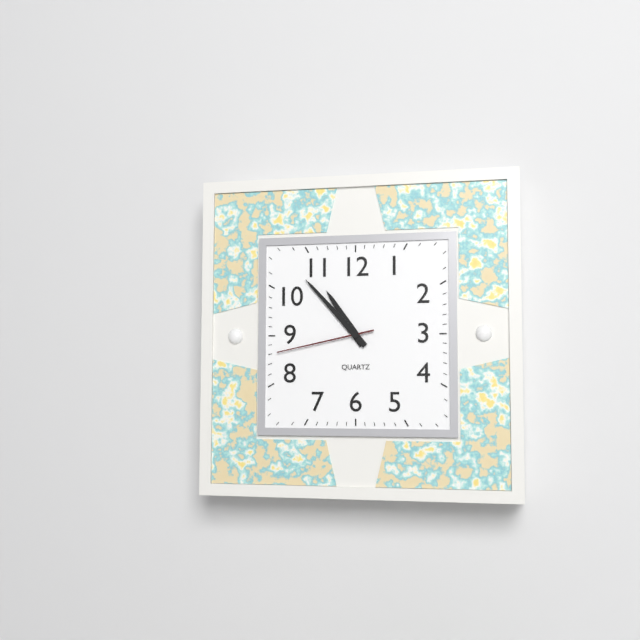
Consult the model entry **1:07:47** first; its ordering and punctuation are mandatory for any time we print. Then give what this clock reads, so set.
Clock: **10:53:43**
